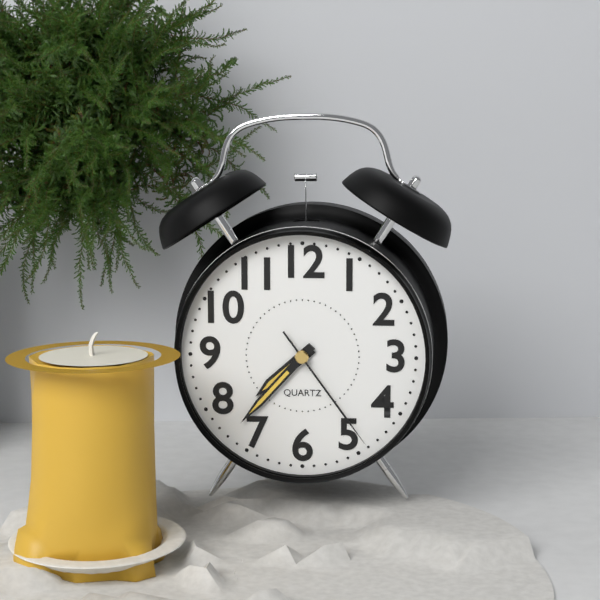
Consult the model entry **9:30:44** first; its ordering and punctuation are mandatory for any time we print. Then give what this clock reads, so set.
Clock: **7:37:24**
